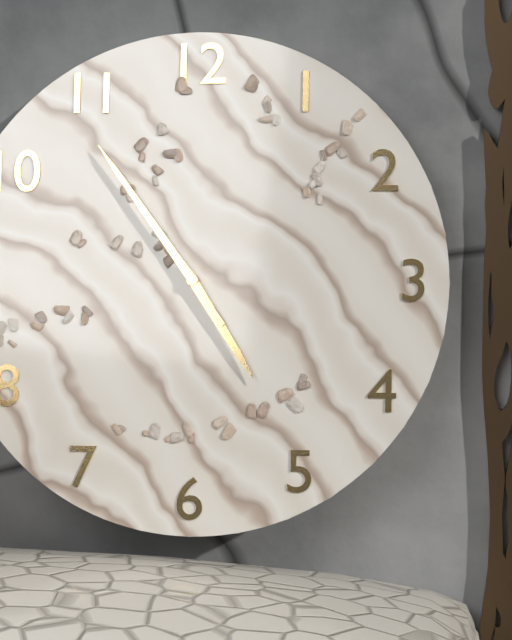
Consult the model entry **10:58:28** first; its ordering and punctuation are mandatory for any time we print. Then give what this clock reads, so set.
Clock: **4:54:54**
